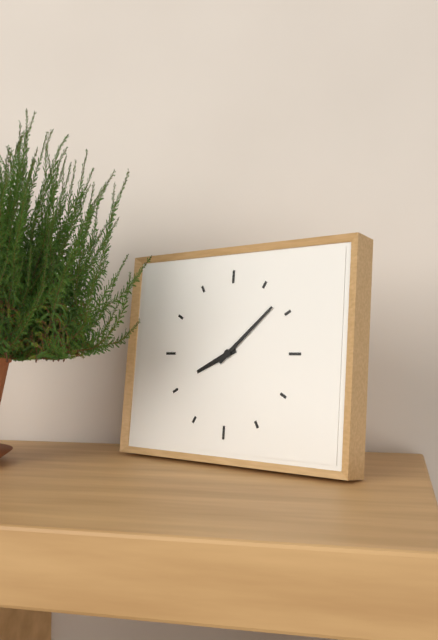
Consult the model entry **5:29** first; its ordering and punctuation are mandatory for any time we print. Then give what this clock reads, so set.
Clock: **8:08**
